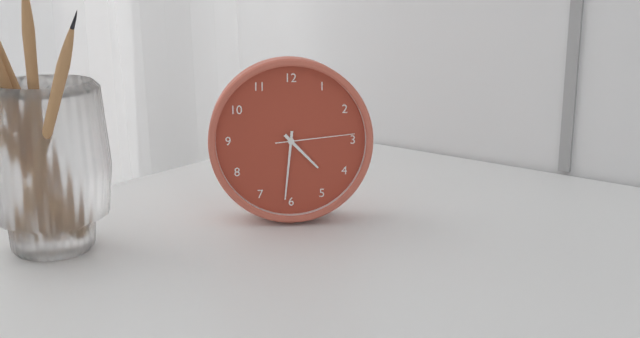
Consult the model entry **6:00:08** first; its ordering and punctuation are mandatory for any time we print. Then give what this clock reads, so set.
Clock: **4:31:14**
